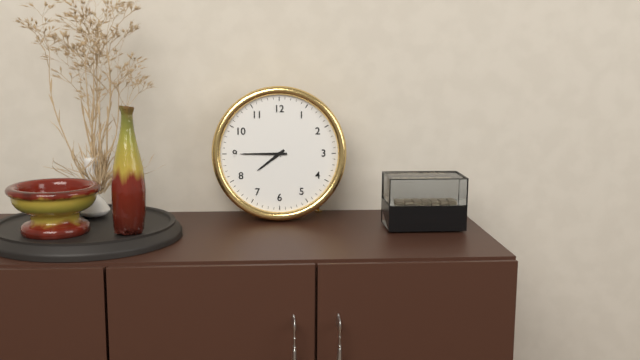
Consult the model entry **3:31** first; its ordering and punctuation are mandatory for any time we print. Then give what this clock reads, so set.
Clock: **7:45**
